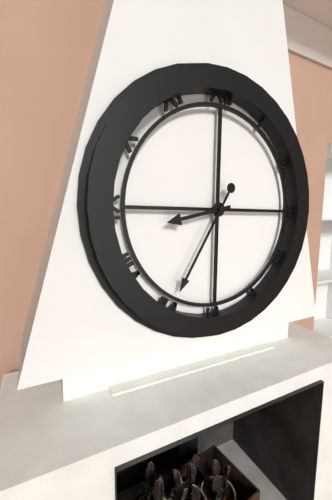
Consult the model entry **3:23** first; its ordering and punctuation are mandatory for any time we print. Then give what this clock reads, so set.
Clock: **8:35**
